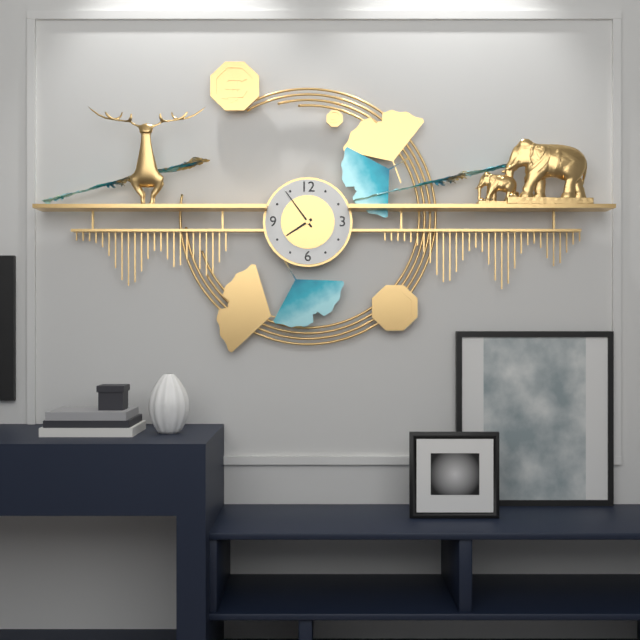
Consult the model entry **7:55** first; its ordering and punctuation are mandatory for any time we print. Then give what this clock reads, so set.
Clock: **7:54**
